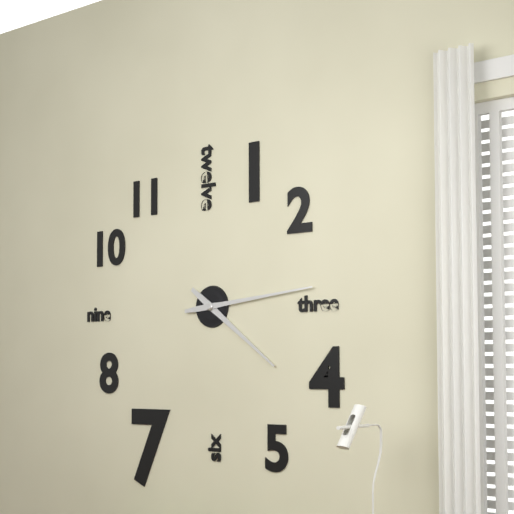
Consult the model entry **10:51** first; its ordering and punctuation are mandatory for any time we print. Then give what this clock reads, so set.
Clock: **4:14**
